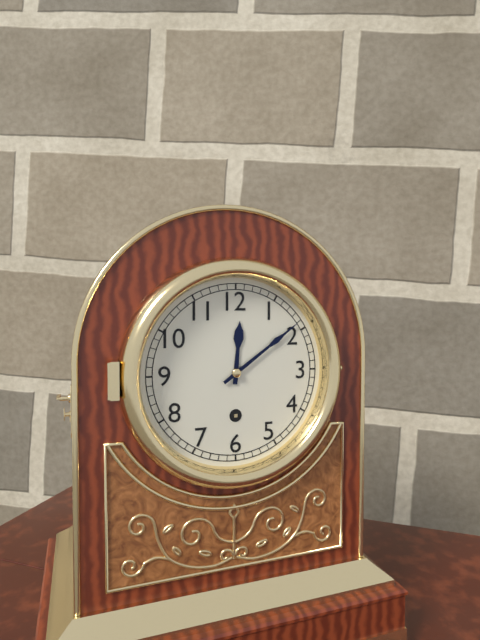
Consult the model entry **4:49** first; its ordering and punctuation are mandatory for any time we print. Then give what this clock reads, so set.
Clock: **12:09**
